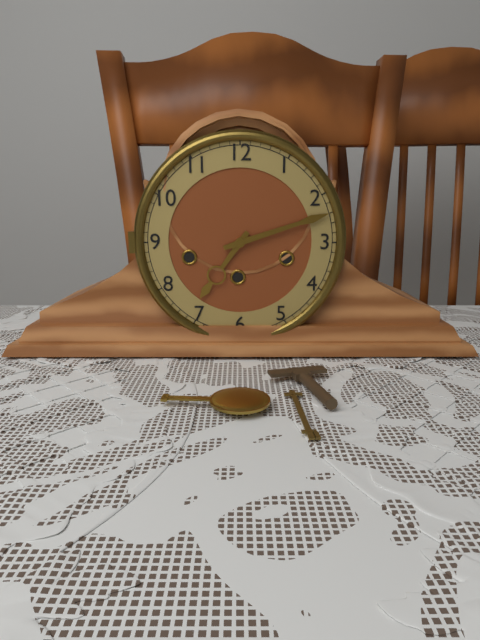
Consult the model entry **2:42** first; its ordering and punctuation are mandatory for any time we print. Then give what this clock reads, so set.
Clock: **7:12**
